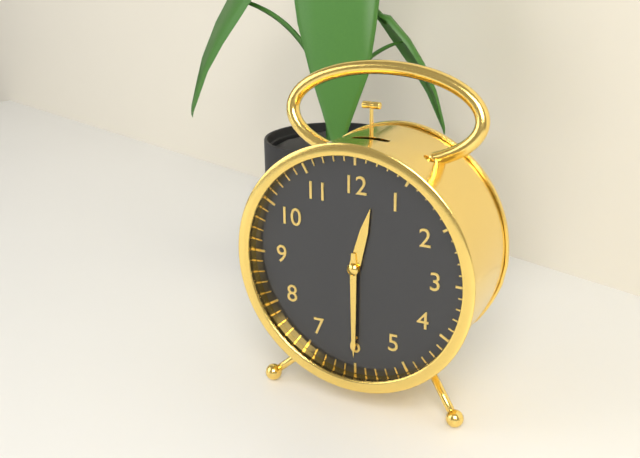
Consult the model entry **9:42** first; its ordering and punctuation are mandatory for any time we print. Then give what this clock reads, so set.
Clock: **12:30**
